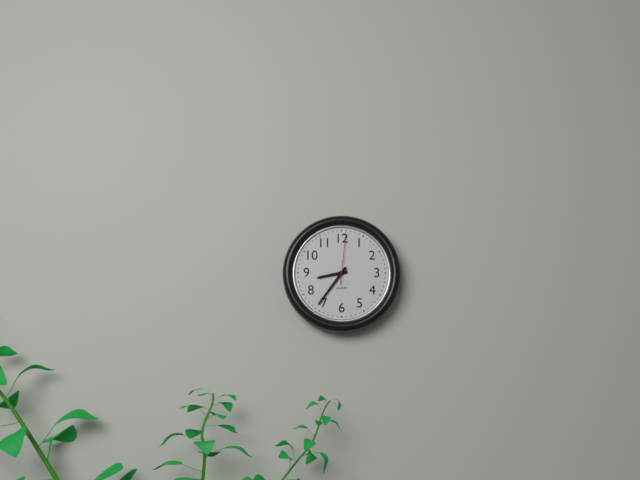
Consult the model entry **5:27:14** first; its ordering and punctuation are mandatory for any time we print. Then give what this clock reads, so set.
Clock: **8:36:01**
